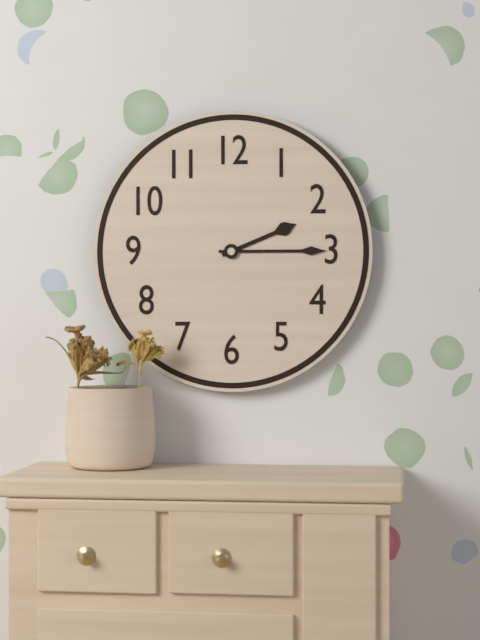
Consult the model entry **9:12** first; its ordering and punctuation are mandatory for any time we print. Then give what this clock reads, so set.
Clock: **2:15**
